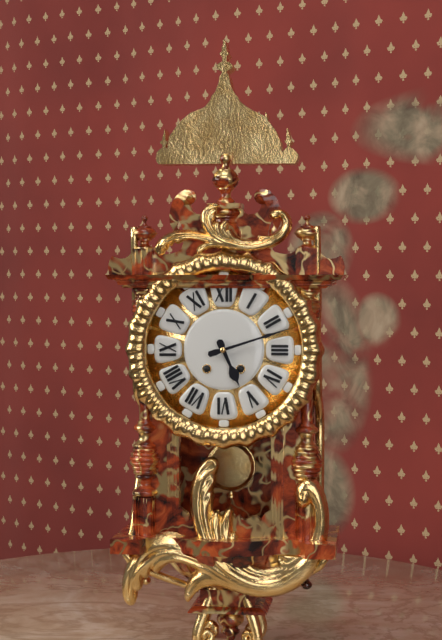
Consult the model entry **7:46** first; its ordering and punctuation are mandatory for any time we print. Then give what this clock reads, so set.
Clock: **5:12**
